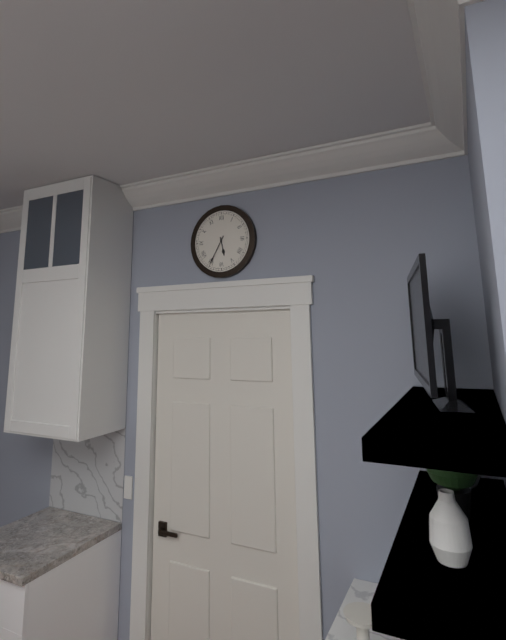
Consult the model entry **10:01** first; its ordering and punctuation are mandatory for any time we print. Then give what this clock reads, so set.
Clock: **5:35**
